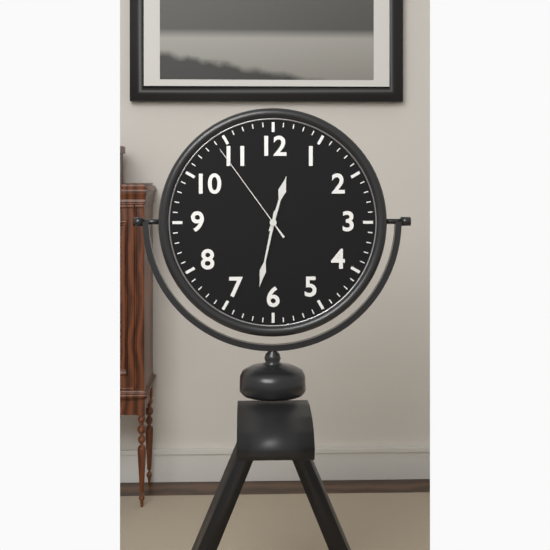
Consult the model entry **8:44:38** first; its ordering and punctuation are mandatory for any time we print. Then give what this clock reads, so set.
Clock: **12:32:54**
